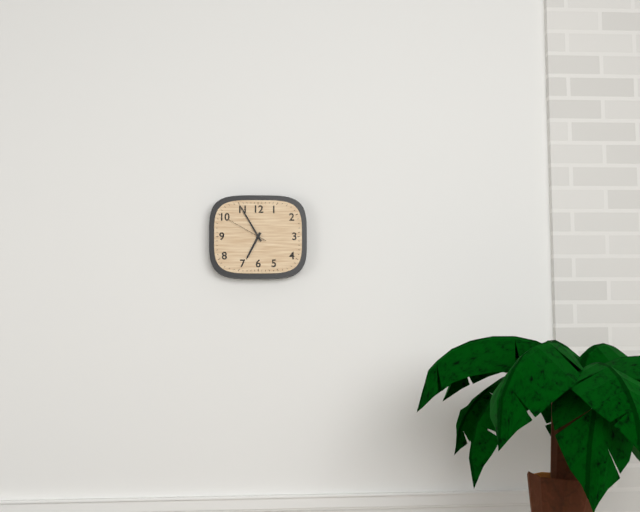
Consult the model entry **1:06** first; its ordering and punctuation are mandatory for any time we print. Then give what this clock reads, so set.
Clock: **6:55**
